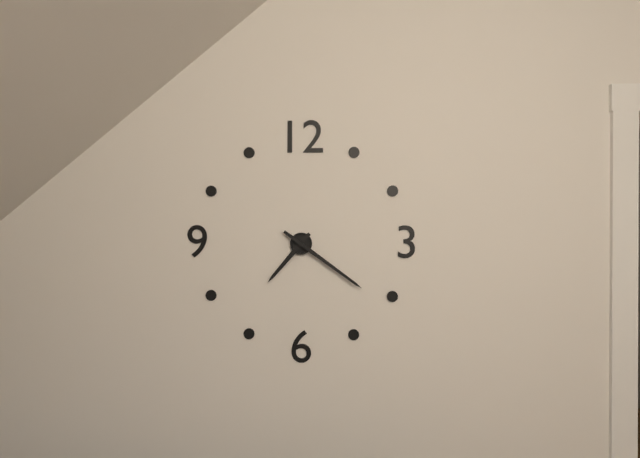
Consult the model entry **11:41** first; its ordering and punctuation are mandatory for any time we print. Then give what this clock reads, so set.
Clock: **7:21**
